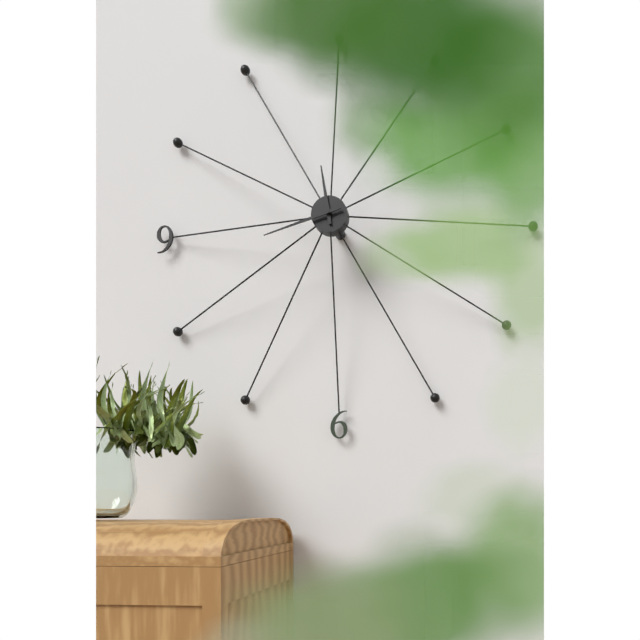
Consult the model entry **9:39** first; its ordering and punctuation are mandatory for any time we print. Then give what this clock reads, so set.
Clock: **11:42**
